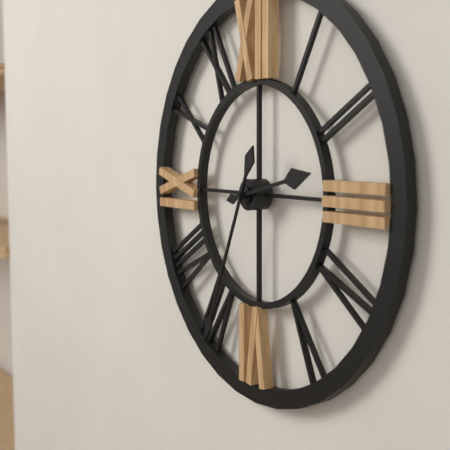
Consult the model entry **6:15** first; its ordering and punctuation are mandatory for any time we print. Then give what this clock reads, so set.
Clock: **2:34**
